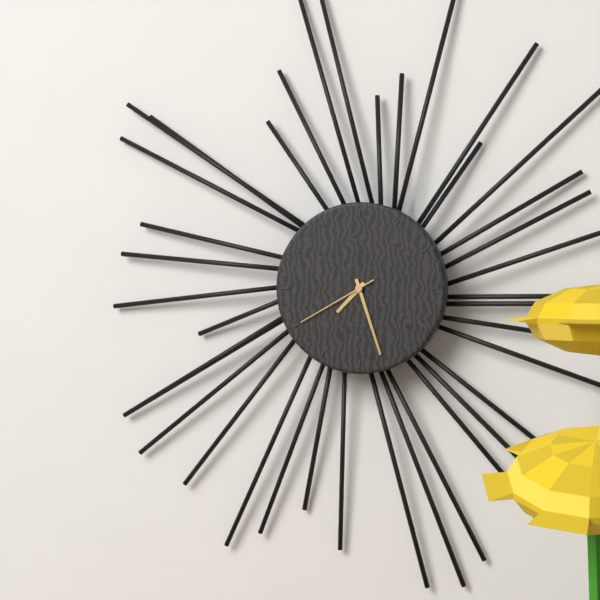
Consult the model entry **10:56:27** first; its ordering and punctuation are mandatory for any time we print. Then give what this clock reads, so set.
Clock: **7:27:40**
